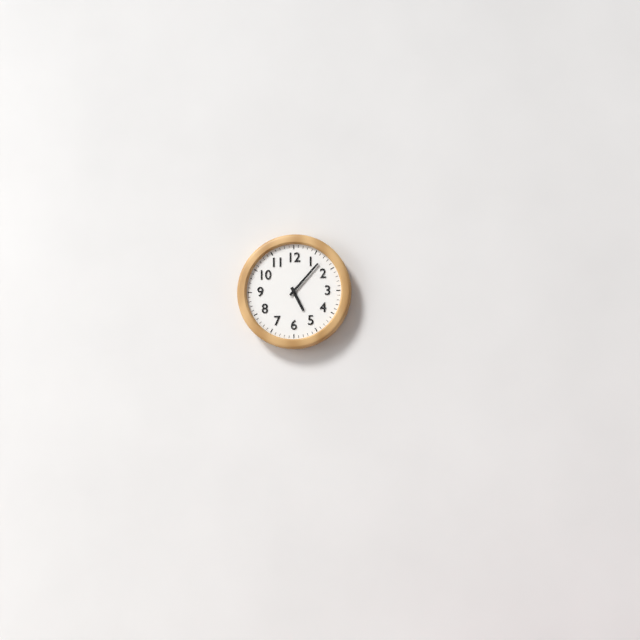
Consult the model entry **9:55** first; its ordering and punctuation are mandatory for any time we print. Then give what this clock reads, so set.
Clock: **5:07**
